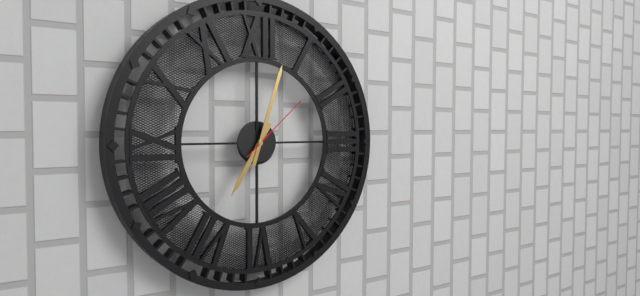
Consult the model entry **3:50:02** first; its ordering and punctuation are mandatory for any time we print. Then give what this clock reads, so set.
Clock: **7:03:08**
